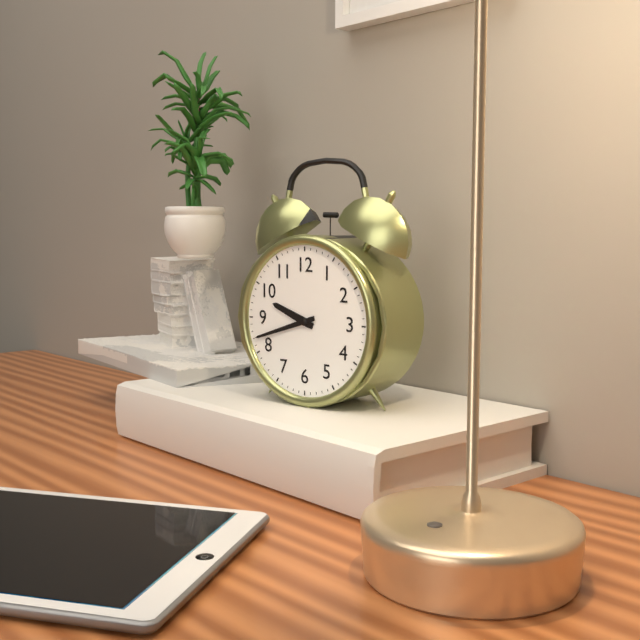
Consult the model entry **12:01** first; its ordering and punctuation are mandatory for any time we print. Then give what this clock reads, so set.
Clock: **9:42**
